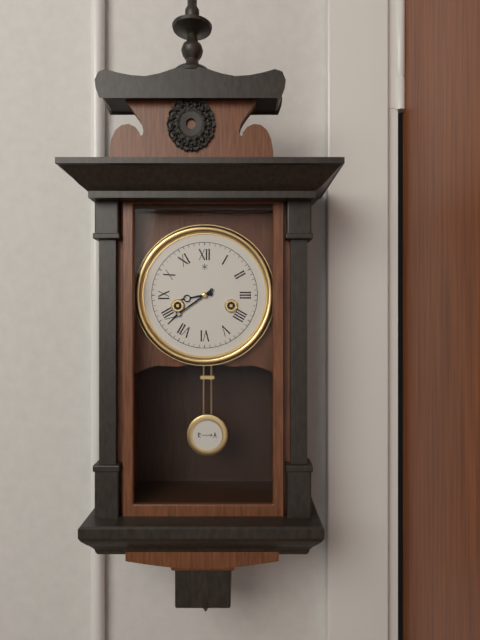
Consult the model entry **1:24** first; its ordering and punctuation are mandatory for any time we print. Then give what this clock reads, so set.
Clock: **8:39**
